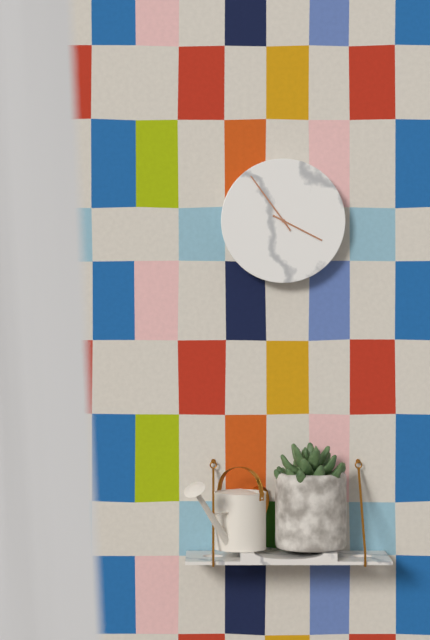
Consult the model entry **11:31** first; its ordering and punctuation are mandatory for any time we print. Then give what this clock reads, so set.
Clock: **3:54**
